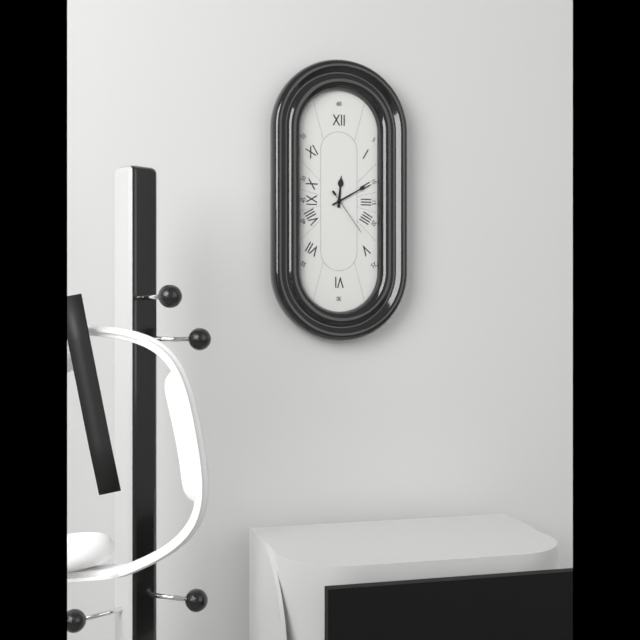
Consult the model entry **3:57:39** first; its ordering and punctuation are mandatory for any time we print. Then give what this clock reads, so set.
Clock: **12:10:24**
